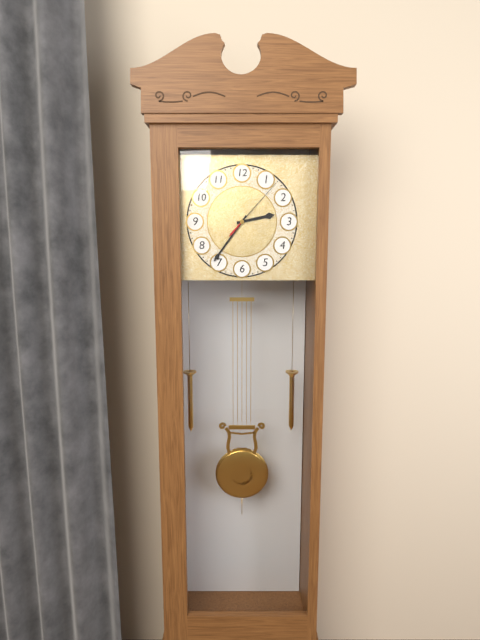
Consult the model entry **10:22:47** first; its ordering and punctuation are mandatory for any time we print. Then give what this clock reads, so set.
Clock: **2:36:07**
